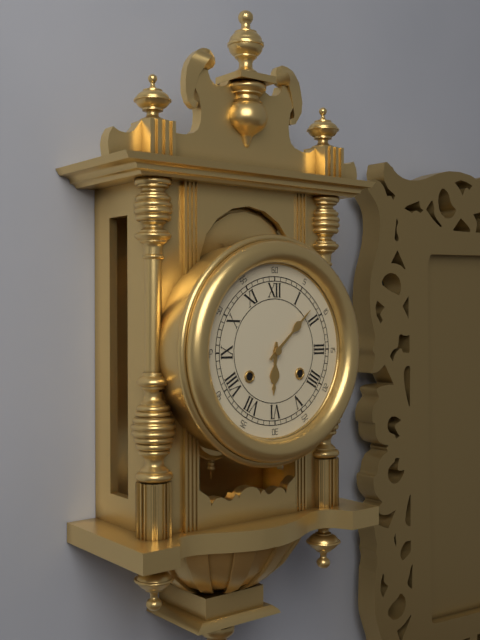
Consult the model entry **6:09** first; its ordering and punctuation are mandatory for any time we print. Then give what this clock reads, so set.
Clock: **6:08**
